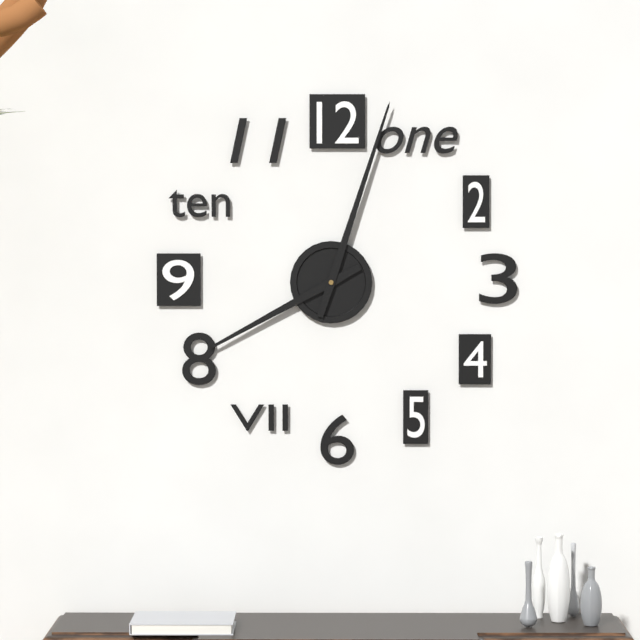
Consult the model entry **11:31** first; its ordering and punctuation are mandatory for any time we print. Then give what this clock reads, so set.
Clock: **8:03**
